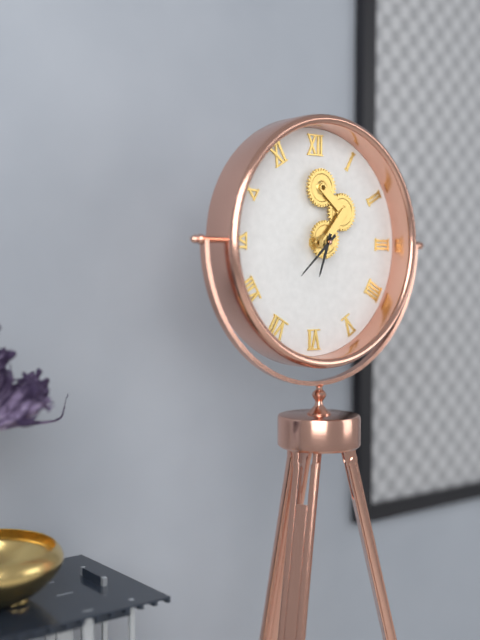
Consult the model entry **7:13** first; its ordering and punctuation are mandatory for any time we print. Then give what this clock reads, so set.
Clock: **6:38**
